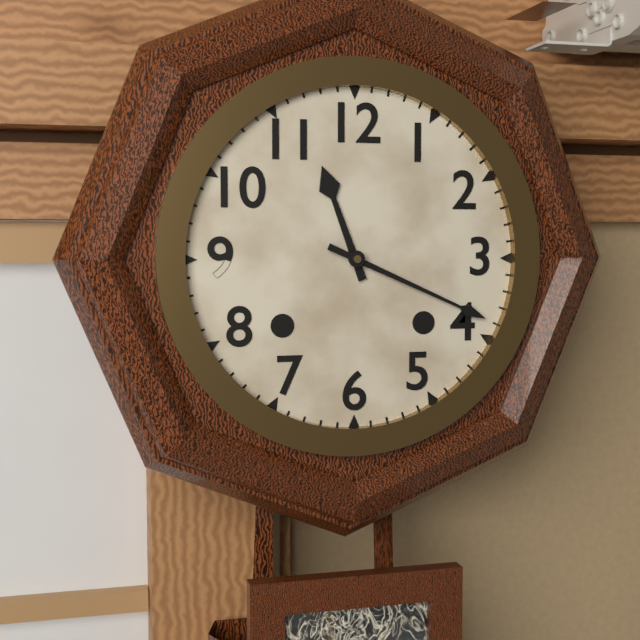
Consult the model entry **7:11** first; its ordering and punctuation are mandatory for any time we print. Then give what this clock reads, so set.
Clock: **11:19**
